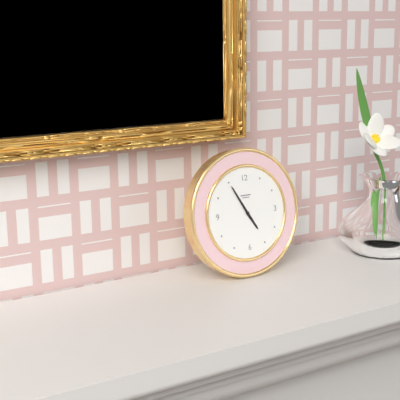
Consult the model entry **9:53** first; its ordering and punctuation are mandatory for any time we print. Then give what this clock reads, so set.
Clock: **4:55**
